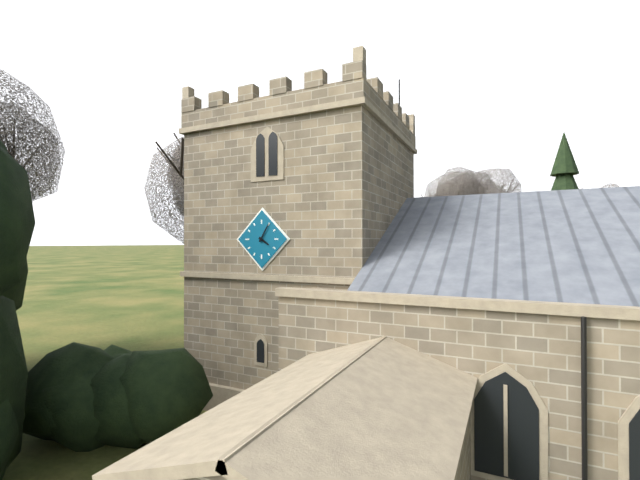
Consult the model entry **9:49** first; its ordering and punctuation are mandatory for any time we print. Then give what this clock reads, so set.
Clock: **4:05**
